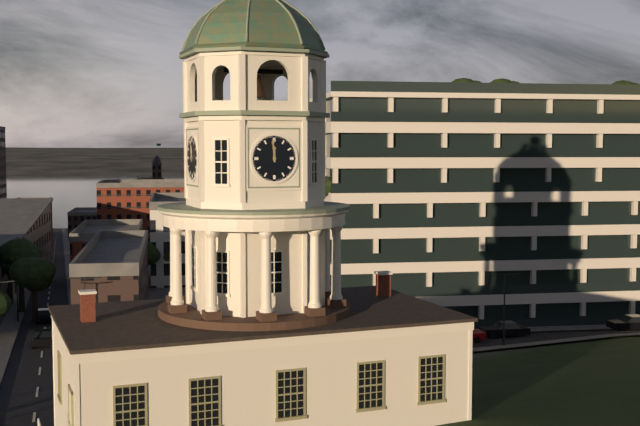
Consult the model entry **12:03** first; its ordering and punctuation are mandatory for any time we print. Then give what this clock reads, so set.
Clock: **11:59**
